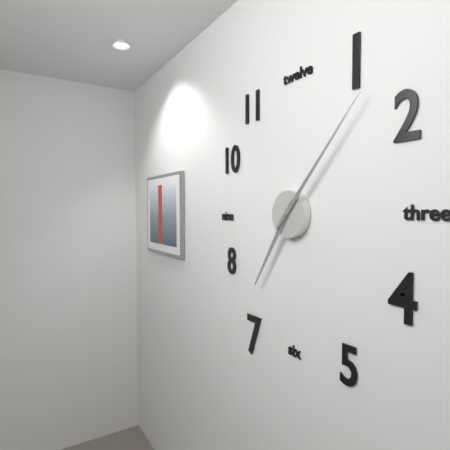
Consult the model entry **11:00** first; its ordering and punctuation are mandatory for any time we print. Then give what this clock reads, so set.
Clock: **7:07**
